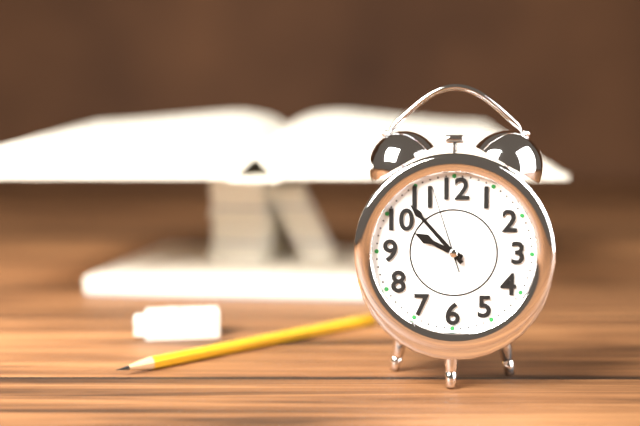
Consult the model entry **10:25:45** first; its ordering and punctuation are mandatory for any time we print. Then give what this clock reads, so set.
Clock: **9:53:57**
